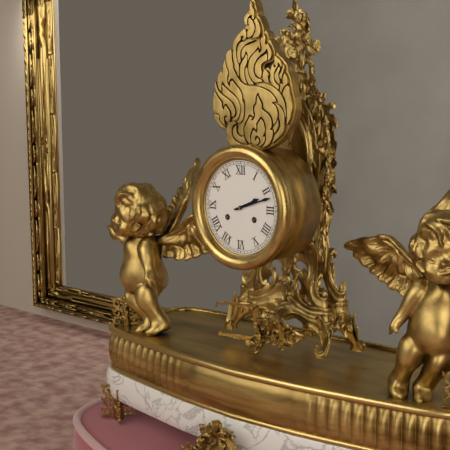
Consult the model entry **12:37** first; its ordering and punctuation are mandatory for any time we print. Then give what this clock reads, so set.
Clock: **2:12**
